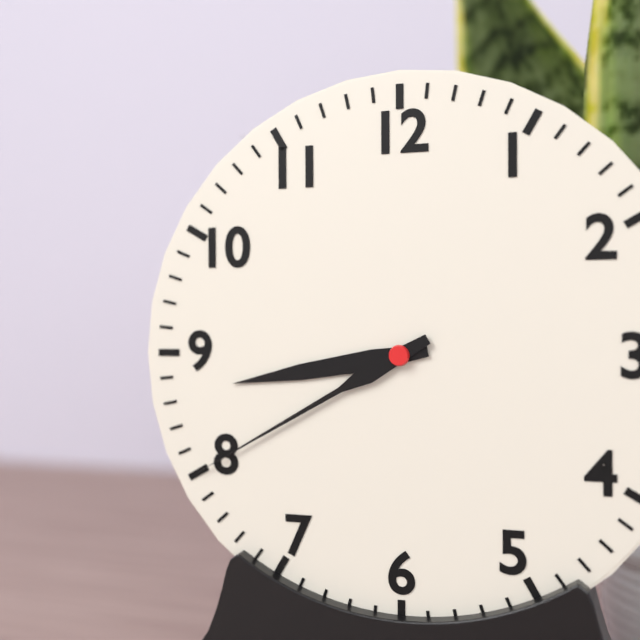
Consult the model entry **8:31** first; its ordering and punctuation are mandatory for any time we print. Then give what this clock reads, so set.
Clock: **8:40**
